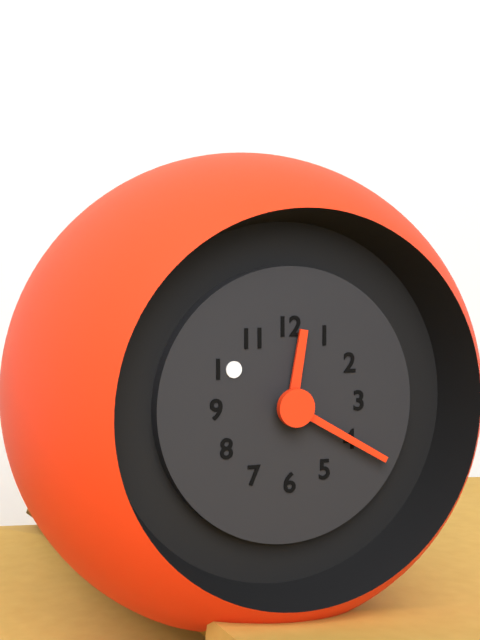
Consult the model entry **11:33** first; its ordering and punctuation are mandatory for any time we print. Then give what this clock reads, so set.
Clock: **12:20**
